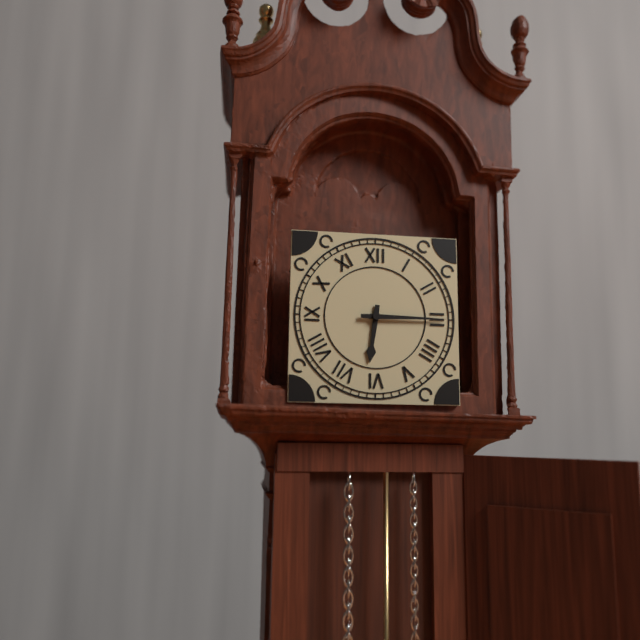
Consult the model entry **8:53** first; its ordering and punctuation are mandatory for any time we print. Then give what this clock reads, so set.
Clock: **6:15**
